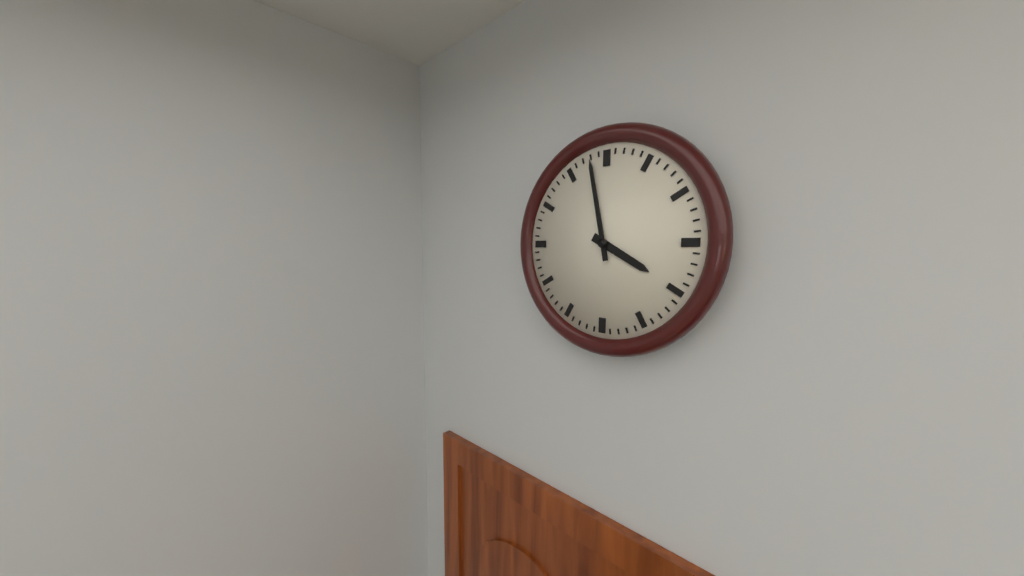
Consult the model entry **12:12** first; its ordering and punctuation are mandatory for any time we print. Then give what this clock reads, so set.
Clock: **3:58**
